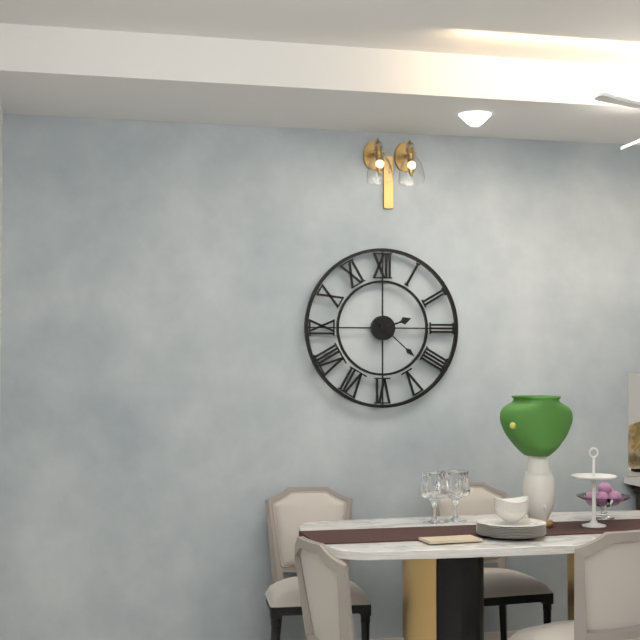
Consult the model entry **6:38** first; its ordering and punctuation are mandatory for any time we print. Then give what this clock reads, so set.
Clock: **2:22**
